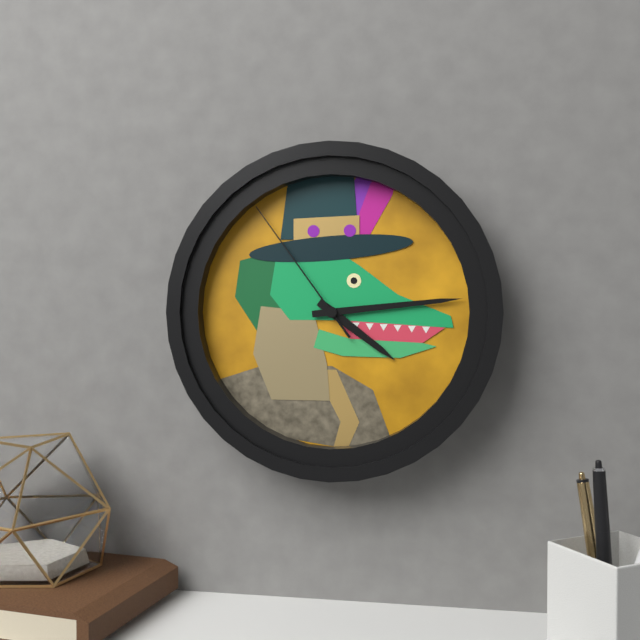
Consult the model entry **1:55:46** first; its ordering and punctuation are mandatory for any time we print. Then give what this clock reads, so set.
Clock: **4:14:54**
